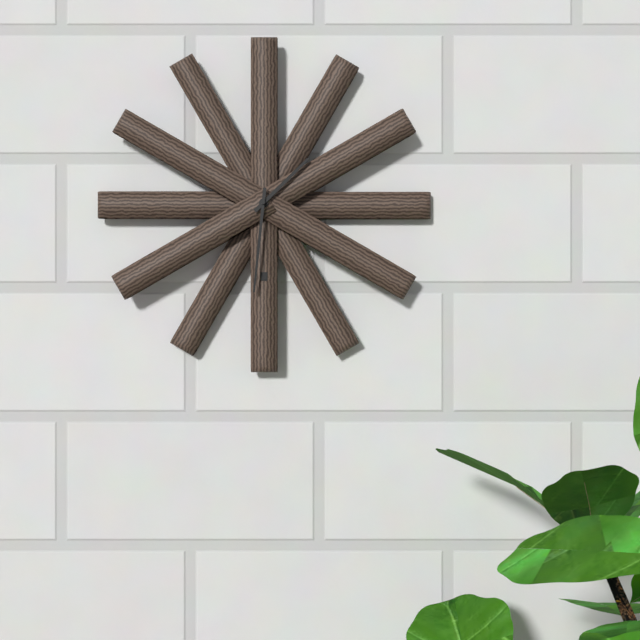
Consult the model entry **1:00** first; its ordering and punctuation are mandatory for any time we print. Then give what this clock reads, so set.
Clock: **1:31**
